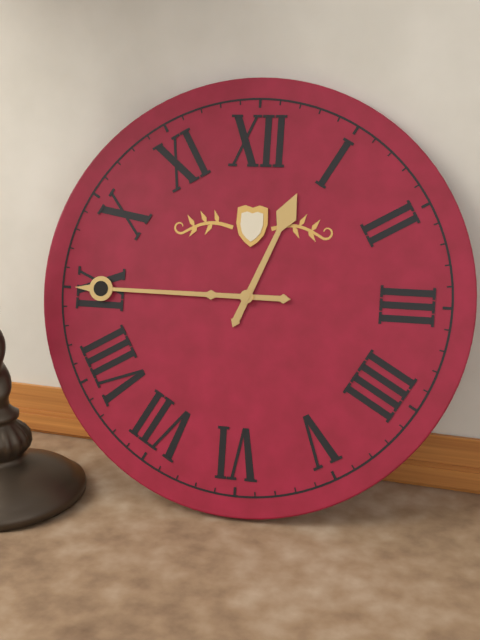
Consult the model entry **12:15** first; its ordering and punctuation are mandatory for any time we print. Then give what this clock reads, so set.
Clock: **12:45**
